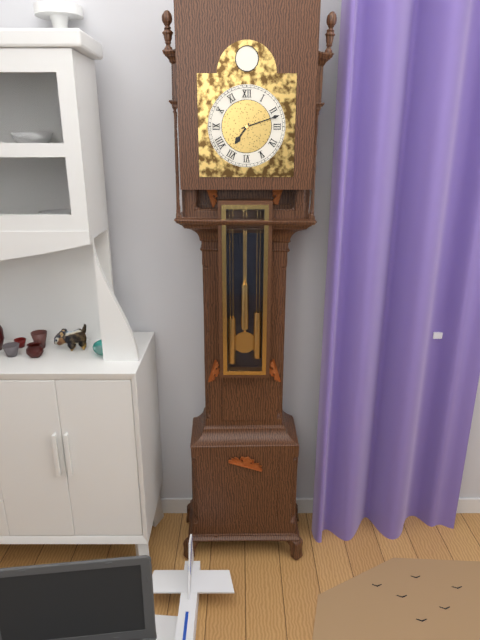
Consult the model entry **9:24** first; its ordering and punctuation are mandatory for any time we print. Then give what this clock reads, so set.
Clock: **7:12**
